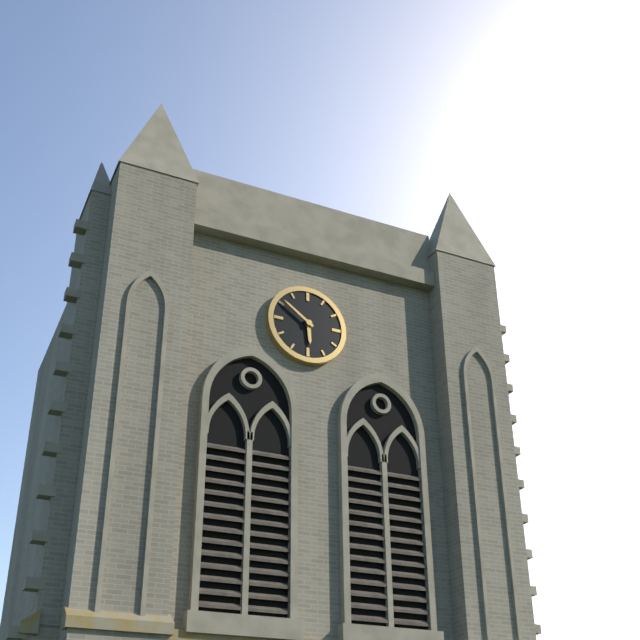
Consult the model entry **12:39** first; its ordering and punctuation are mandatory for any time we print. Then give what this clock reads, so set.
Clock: **5:51**
